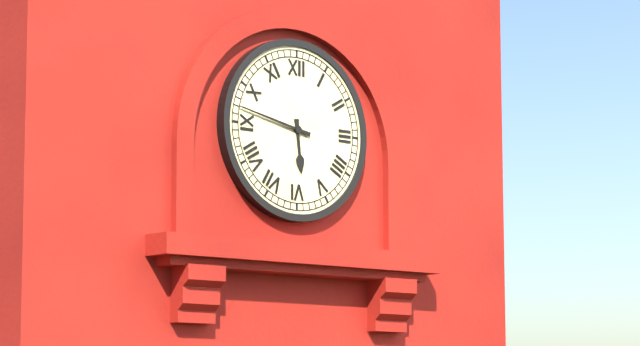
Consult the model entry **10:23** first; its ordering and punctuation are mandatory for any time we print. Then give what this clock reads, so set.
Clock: **5:47**
